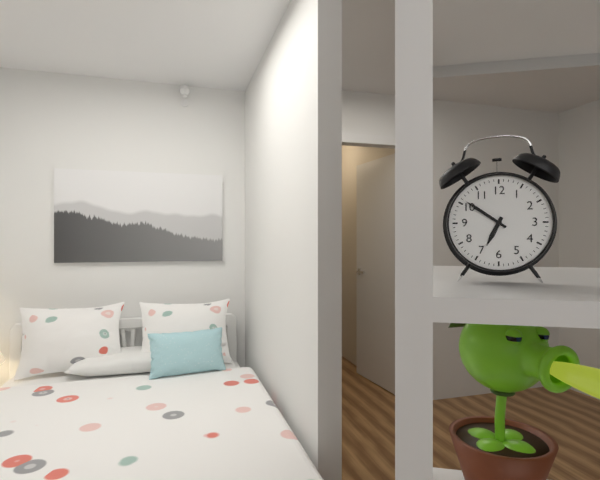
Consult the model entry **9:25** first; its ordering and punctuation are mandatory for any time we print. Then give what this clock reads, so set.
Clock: **6:51**
